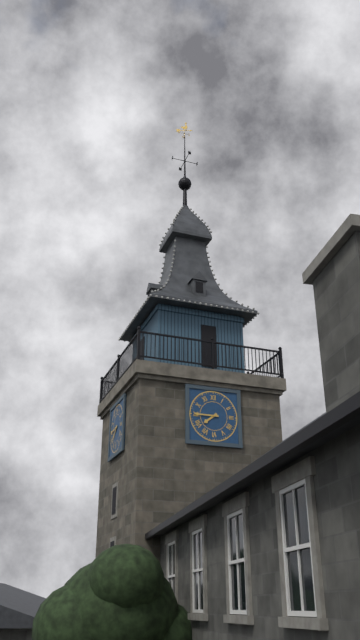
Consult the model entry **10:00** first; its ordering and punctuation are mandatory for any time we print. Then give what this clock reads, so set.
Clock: **7:45**
